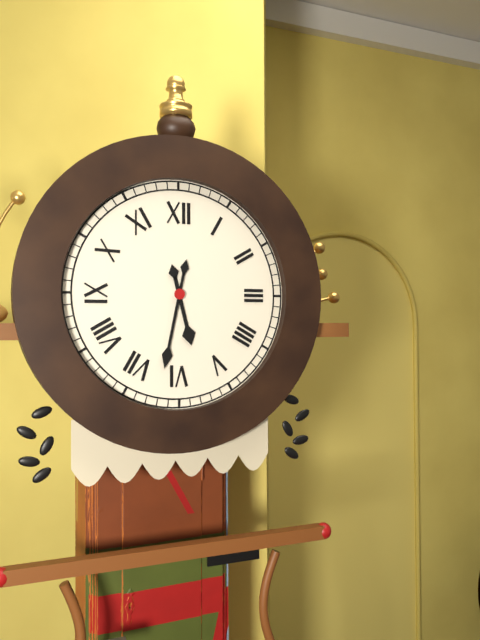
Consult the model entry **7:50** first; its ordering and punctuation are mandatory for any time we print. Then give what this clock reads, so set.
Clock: **5:32**
